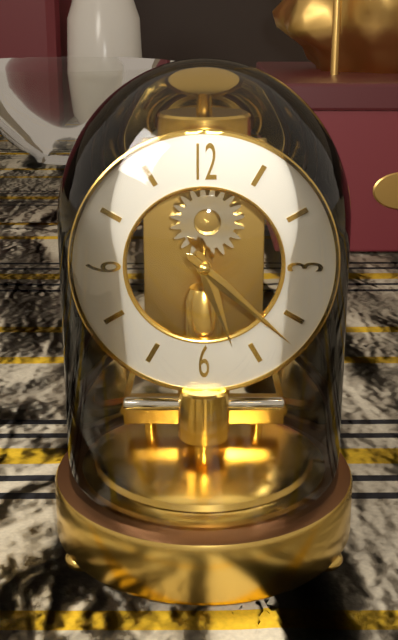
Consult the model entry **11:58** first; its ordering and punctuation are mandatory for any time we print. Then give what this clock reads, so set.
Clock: **5:22**
